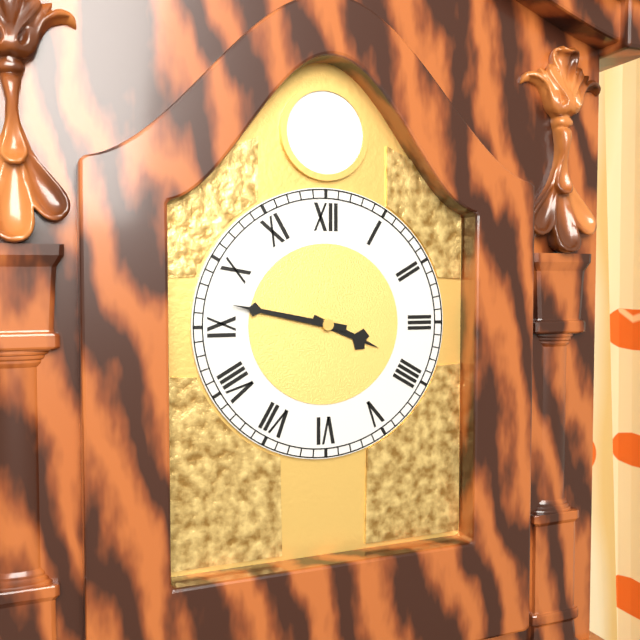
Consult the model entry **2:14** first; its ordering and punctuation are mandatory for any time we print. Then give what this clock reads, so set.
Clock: **3:47**
